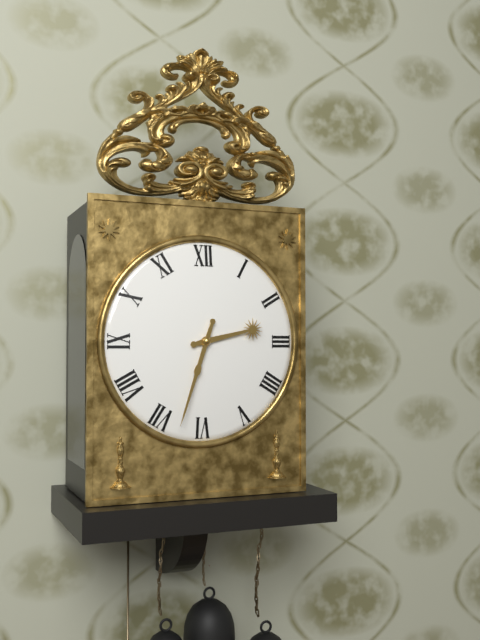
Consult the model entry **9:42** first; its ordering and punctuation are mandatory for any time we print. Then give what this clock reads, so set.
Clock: **2:33**
